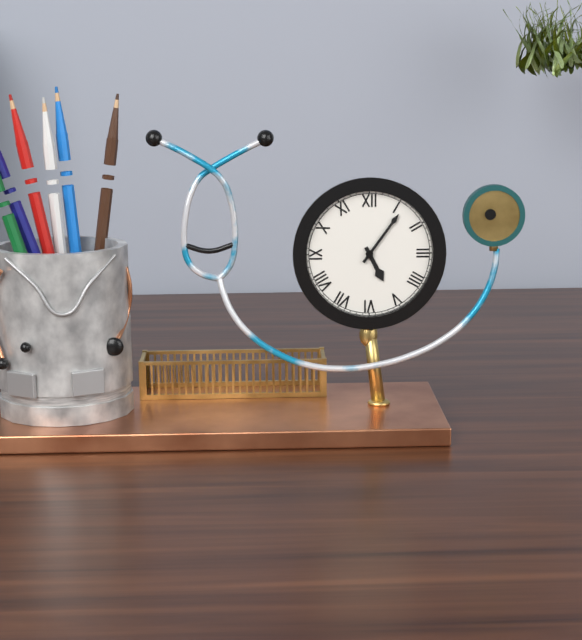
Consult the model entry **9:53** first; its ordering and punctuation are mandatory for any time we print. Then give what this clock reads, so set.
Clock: **5:06**
